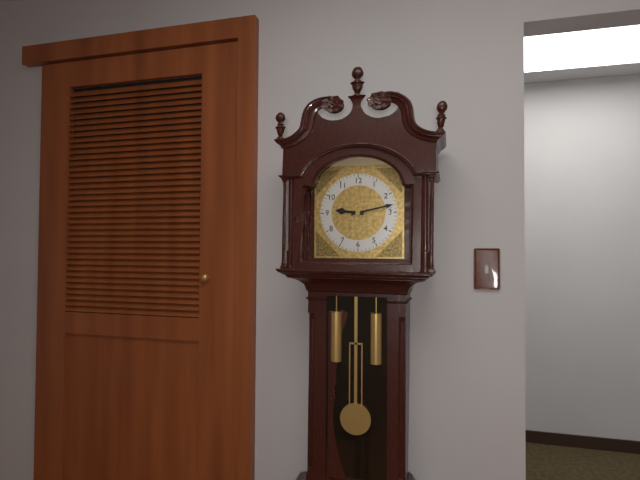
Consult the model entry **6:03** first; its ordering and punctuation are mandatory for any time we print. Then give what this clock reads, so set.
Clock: **9:13**
